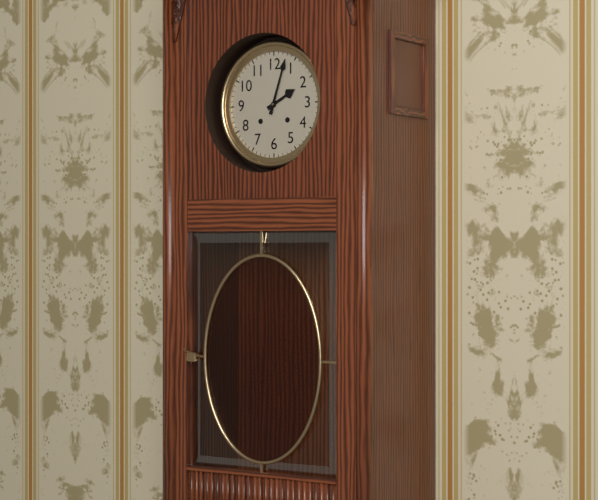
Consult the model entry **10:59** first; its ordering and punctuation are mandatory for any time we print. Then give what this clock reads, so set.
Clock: **2:03**
